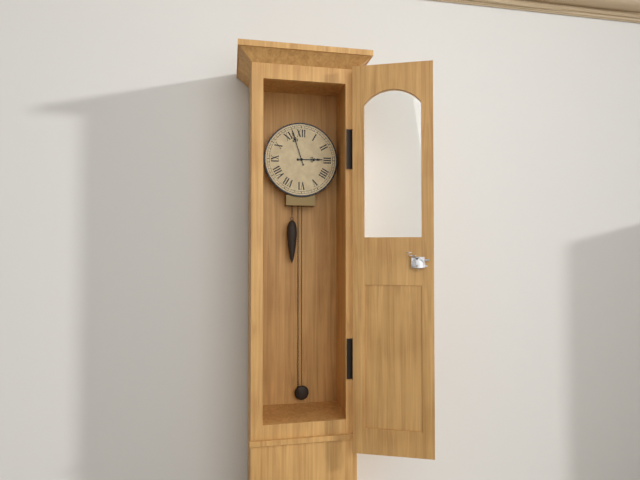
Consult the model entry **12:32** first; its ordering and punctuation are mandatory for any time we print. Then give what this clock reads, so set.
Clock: **2:57**
